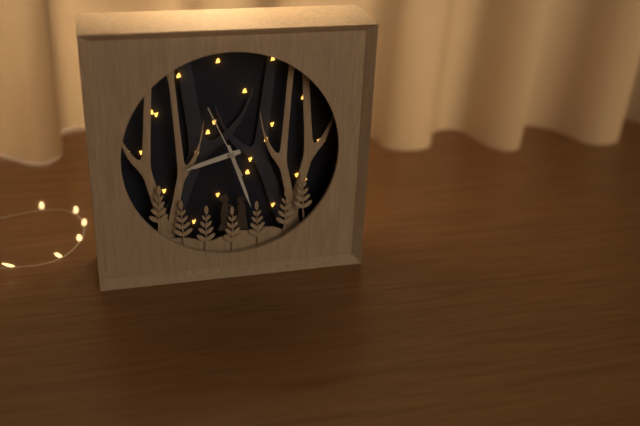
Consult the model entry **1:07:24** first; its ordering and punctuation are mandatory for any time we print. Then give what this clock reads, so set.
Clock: **8:27:56**
